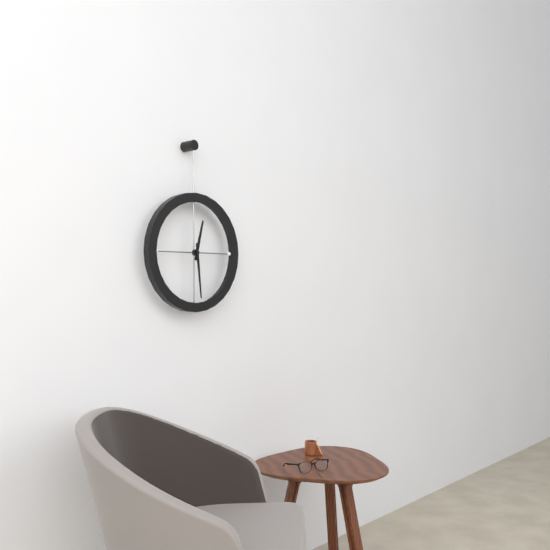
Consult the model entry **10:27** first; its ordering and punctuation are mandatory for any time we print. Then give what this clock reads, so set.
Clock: **12:29**
